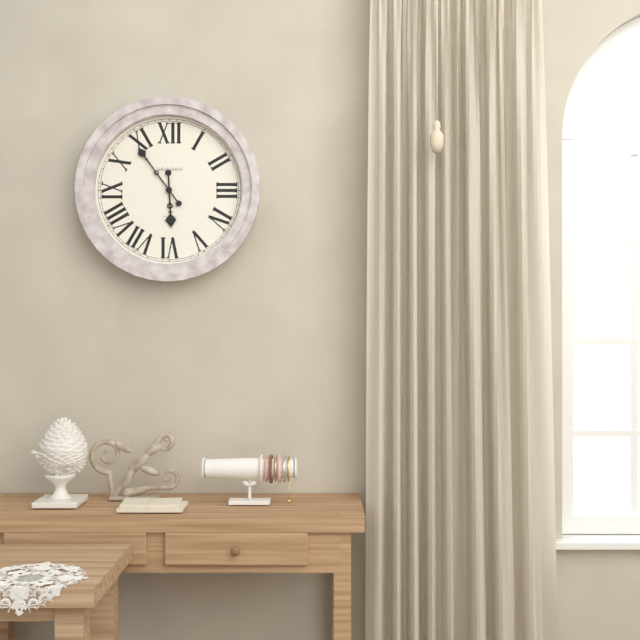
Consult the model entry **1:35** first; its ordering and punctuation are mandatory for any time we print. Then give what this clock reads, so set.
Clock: **5:54**
